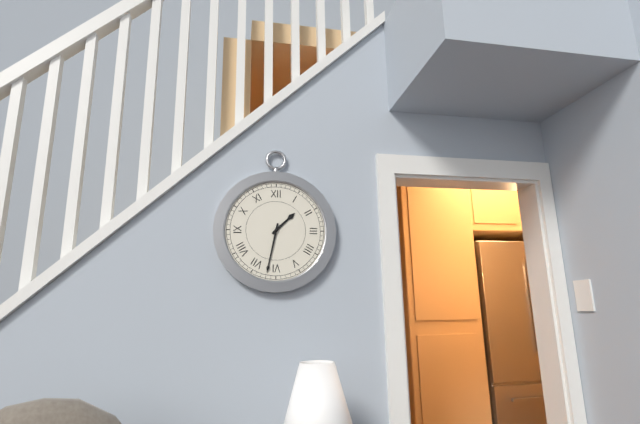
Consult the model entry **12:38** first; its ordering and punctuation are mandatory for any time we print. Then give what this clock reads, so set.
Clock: **1:32**
